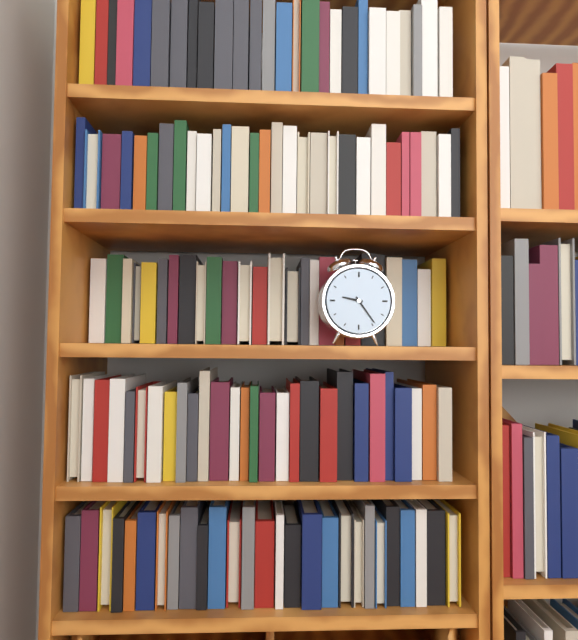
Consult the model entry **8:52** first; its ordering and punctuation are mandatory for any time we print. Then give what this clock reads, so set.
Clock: **9:24**
